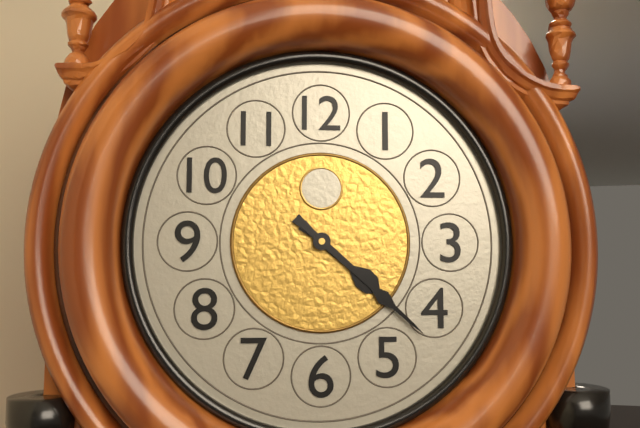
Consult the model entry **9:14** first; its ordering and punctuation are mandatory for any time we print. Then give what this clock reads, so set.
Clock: **4:22**
